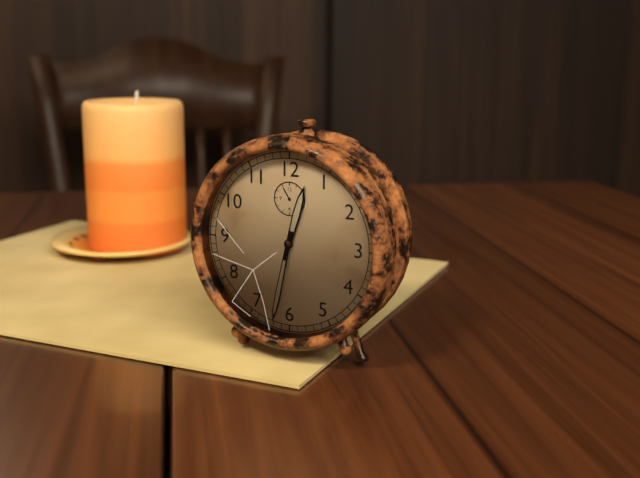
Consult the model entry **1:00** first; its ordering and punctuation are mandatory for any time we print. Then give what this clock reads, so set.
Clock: **12:32**
